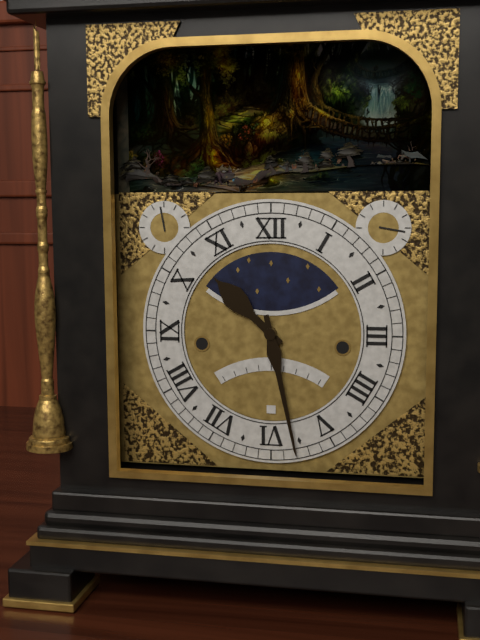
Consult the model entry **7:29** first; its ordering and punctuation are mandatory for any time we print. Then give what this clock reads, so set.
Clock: **10:28**
